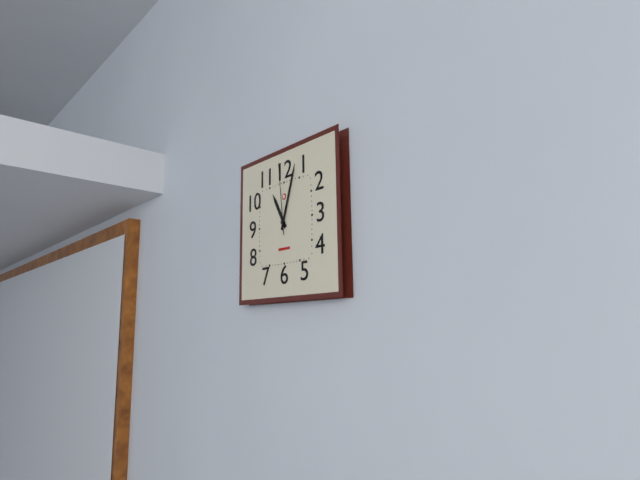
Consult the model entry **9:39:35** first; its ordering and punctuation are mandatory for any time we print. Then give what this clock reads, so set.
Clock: **11:03:59**
